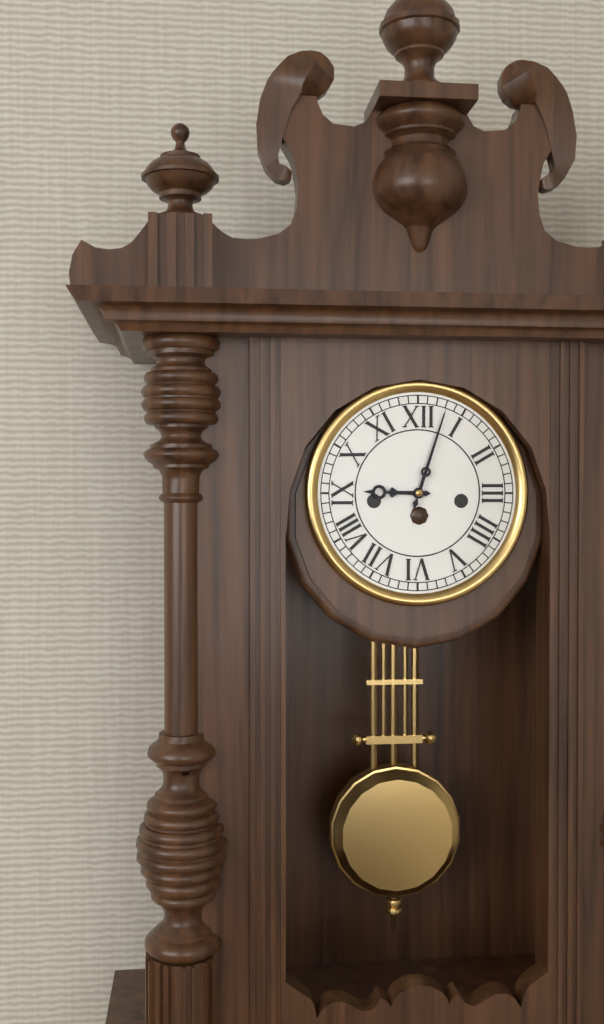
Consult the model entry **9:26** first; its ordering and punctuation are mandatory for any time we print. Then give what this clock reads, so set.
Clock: **9:03**
